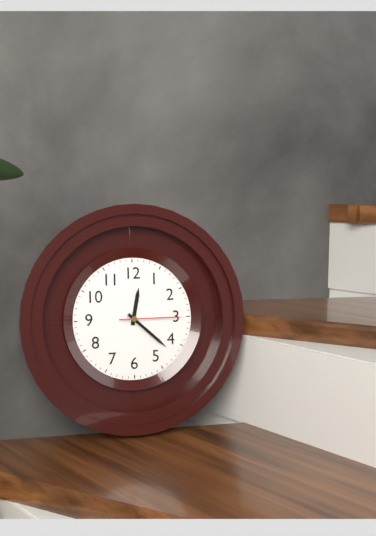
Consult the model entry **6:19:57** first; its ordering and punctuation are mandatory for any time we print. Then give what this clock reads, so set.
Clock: **12:22:15**
